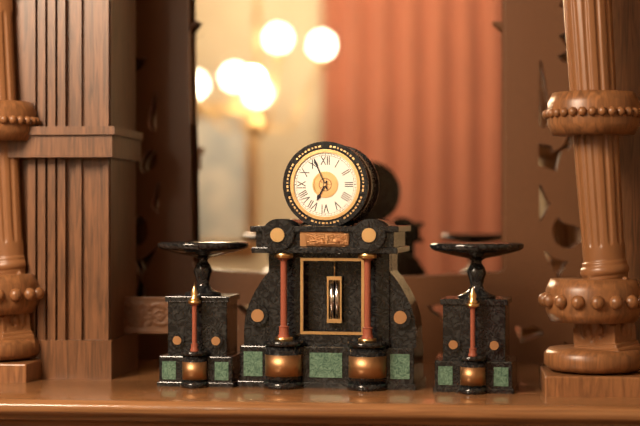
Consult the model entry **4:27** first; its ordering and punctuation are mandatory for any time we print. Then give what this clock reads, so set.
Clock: **6:56**
